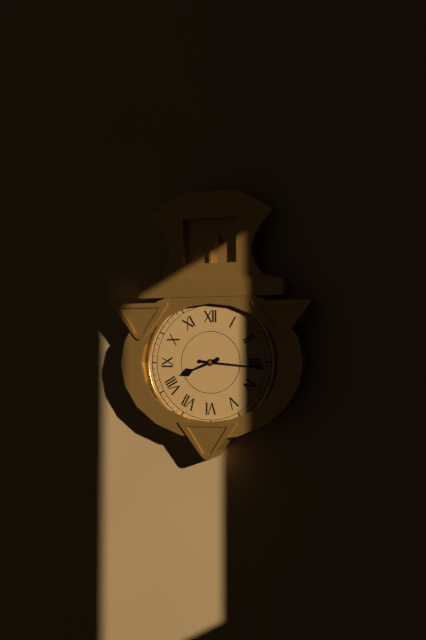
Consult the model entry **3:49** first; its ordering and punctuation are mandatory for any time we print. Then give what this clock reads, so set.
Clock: **8:16**
